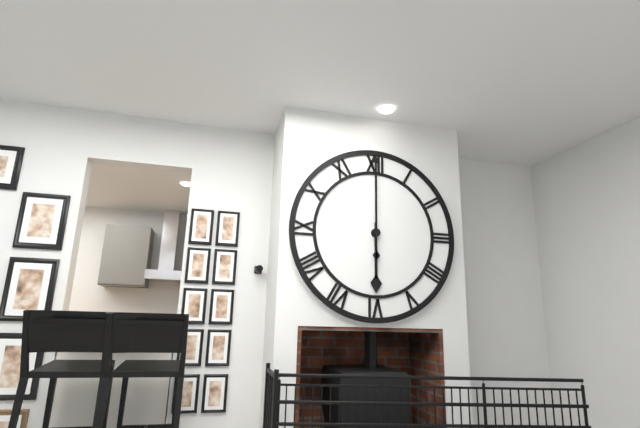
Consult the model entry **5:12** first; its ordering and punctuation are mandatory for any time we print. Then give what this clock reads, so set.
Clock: **6:00**
